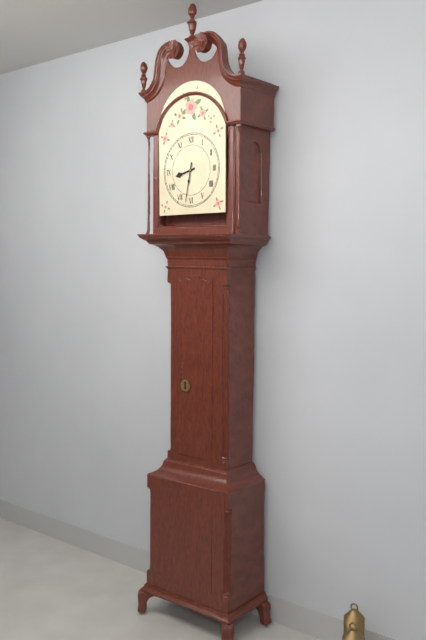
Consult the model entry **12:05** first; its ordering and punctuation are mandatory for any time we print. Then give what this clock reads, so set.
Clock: **8:32**
